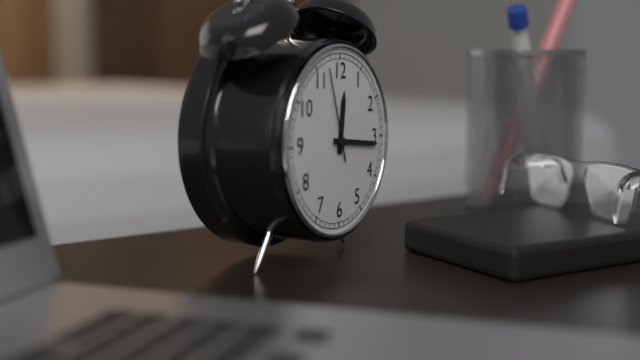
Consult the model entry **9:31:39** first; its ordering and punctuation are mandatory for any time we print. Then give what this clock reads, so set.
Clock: **12:16:57**
